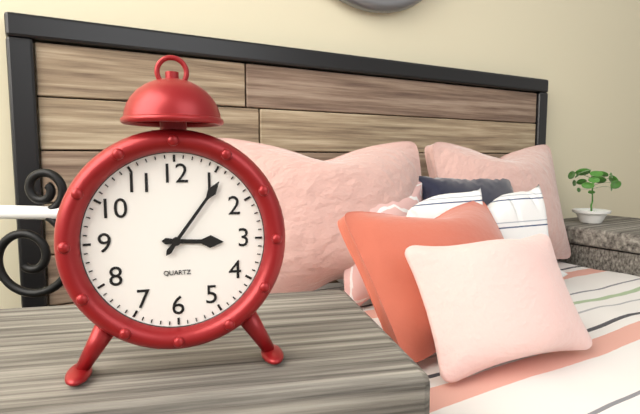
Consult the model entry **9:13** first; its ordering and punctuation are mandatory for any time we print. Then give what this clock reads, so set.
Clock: **3:06**
